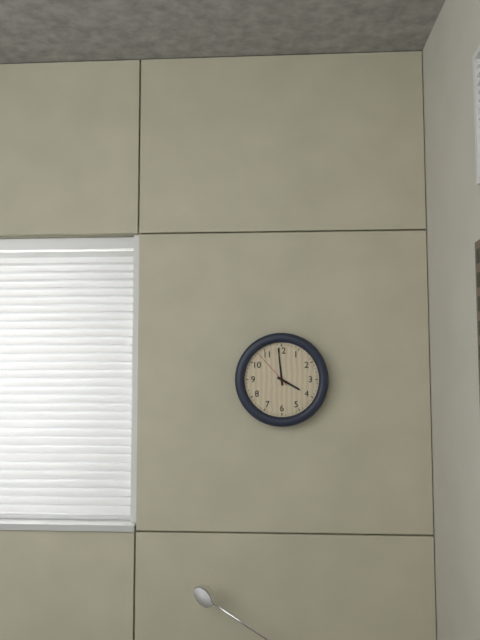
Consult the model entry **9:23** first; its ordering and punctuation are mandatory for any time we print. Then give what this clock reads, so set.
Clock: **3:59**
